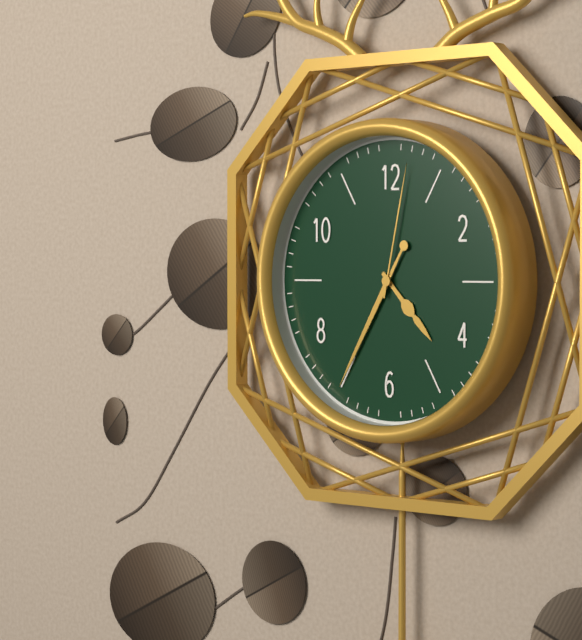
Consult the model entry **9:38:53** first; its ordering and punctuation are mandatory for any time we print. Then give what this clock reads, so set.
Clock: **4:35:02**
